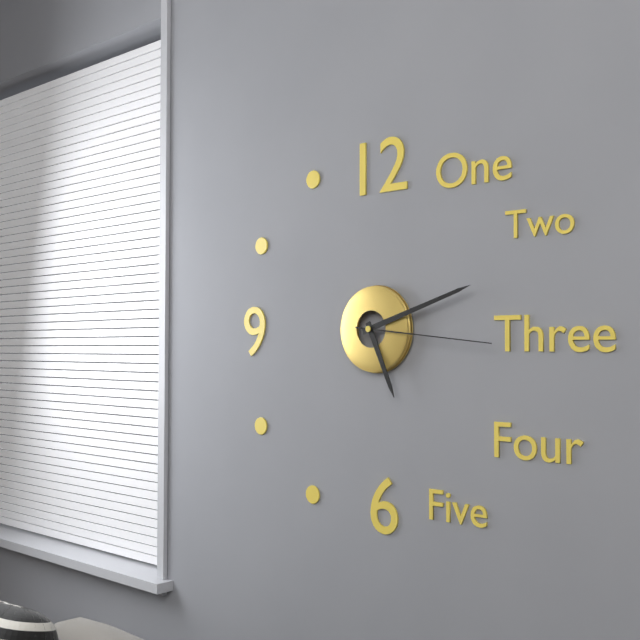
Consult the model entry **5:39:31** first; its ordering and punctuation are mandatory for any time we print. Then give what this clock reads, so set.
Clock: **5:12:16**
